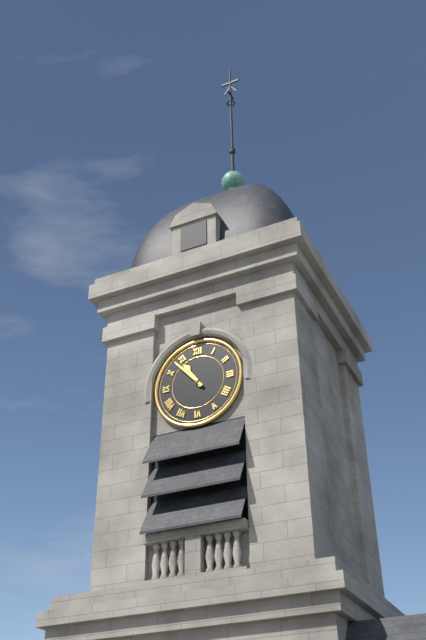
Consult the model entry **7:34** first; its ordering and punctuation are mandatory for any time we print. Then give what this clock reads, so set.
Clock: **10:53**
